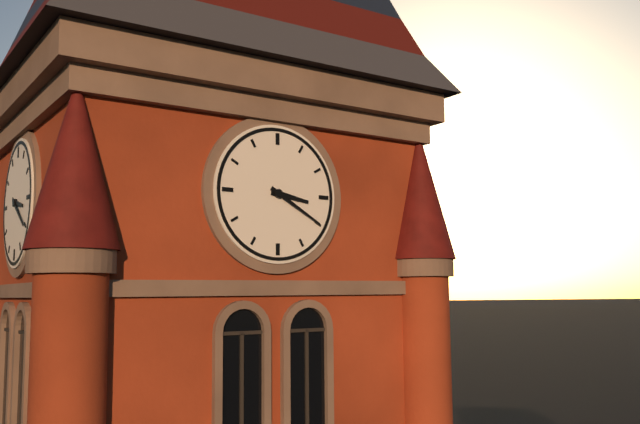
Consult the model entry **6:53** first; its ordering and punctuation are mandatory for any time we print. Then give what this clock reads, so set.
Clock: **3:20**
